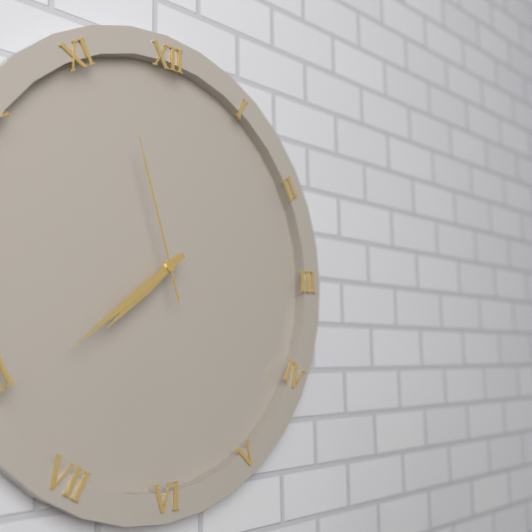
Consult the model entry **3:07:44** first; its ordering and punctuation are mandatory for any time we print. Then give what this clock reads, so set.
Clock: **7:39:57**
